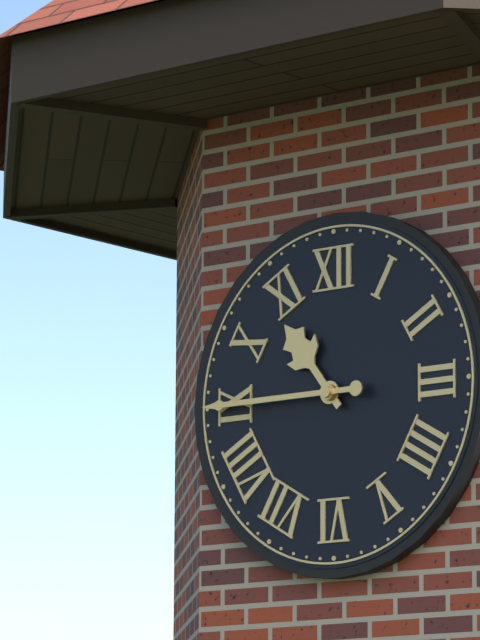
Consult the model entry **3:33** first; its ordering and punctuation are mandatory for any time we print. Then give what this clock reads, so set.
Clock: **10:45**
